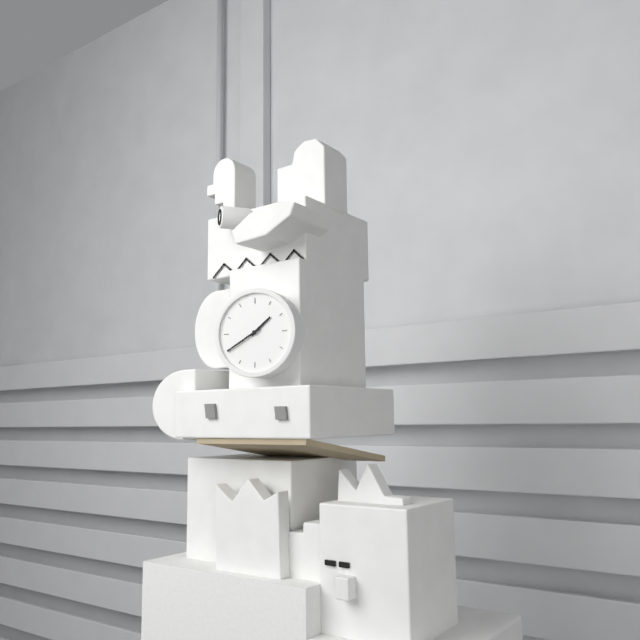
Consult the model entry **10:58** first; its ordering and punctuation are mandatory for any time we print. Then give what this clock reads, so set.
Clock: **1:40**
